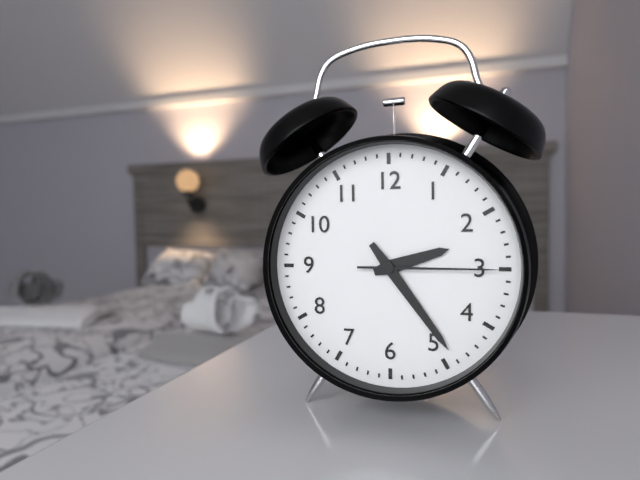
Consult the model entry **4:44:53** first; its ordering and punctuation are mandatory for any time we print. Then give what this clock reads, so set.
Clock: **2:24:15**
